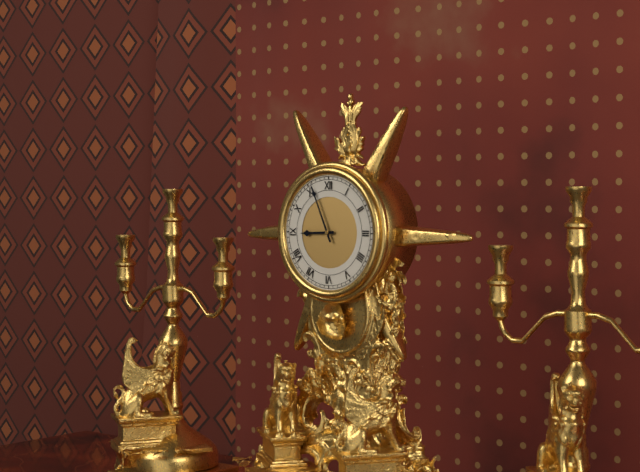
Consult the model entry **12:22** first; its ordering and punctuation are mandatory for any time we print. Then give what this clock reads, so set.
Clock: **8:56**
